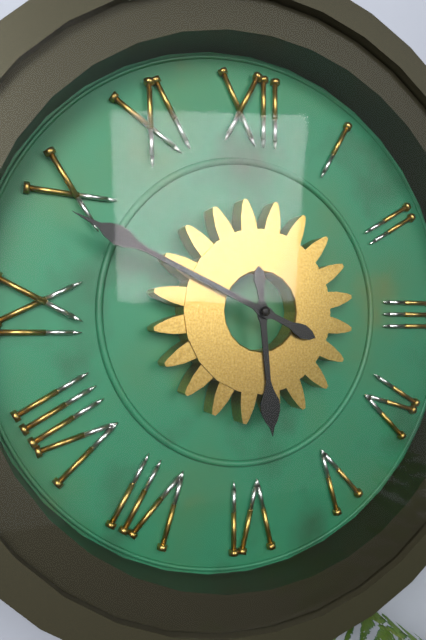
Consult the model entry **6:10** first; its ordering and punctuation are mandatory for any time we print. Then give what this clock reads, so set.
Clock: **5:49**
